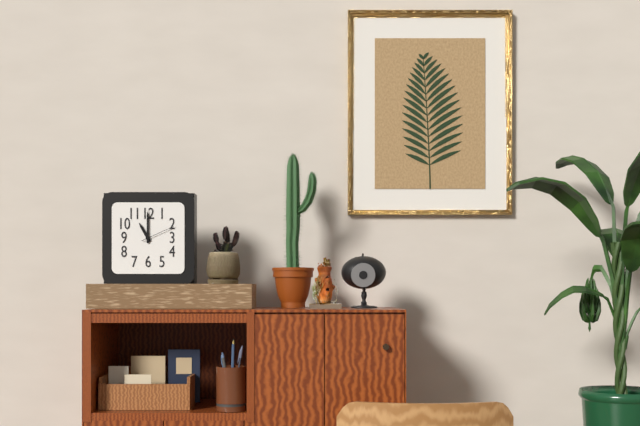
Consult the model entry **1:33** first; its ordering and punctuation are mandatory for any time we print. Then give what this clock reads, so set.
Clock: **11:00**
